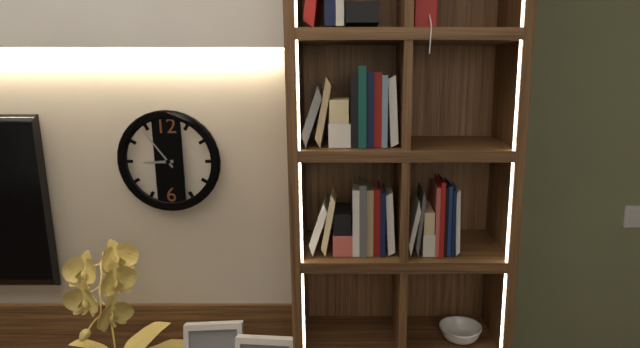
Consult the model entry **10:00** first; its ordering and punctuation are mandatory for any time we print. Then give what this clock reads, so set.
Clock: **8:54**
